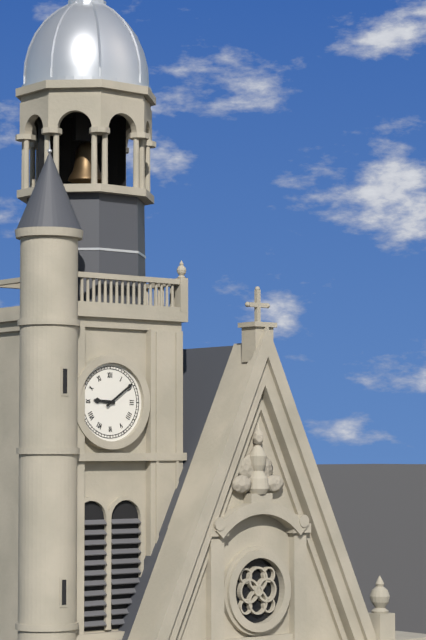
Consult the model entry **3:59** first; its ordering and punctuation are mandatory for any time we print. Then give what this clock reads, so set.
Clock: **9:09**
